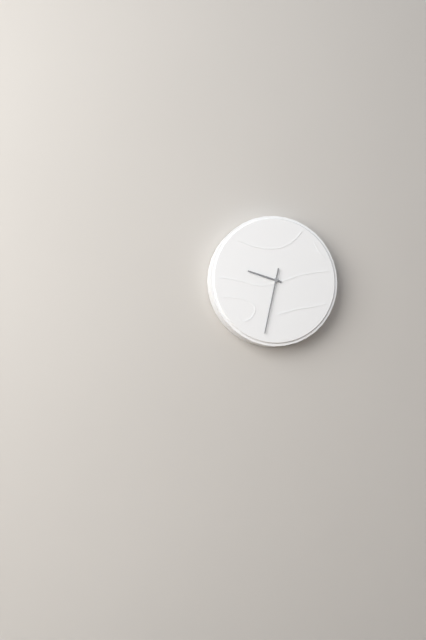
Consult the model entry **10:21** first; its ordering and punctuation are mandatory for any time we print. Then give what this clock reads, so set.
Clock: **9:32**
